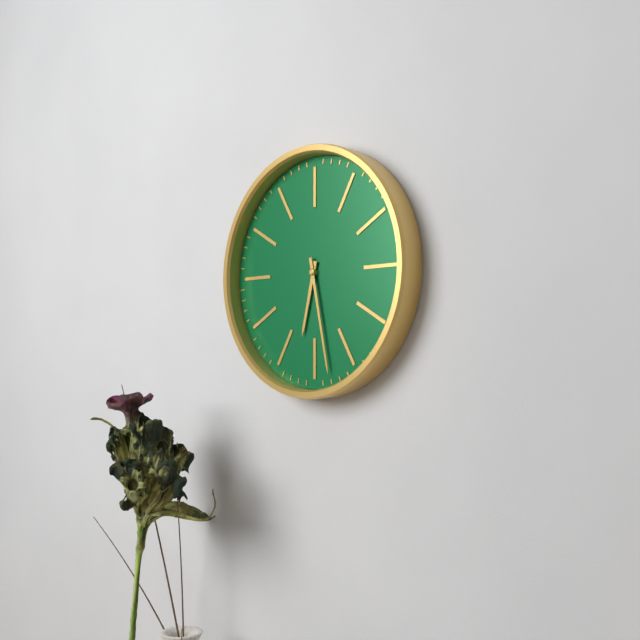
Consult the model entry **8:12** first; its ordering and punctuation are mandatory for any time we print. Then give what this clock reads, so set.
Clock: **6:28**
